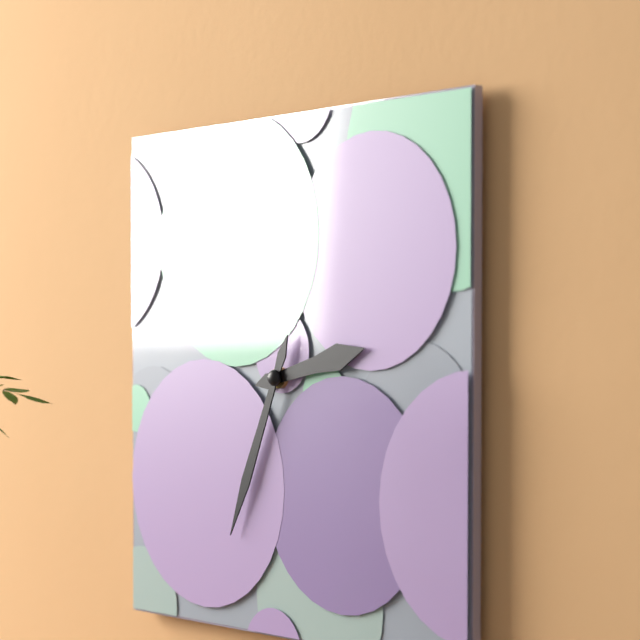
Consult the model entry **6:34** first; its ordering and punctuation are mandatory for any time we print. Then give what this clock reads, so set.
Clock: **2:34**
